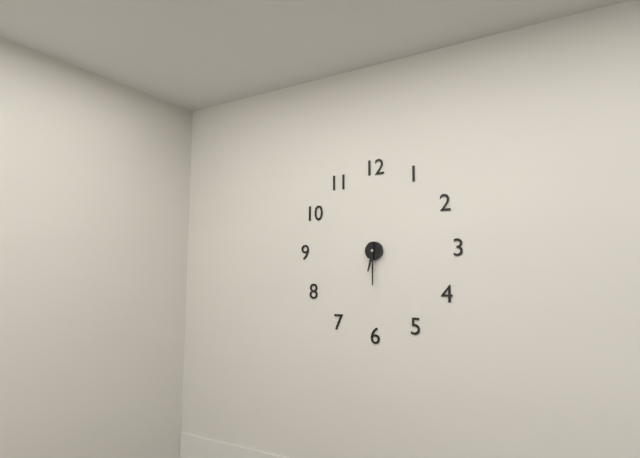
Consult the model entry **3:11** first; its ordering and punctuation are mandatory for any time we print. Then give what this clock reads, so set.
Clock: **6:30**
